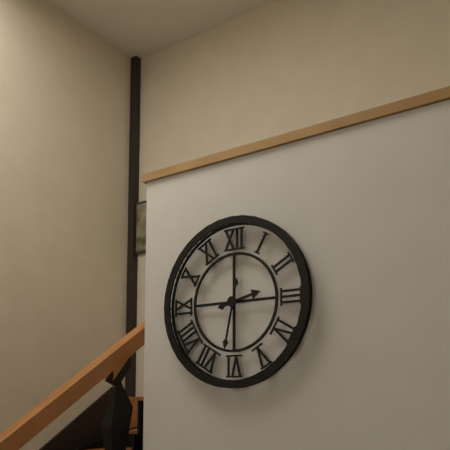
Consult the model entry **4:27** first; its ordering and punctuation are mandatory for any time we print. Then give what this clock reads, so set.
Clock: **2:32**
